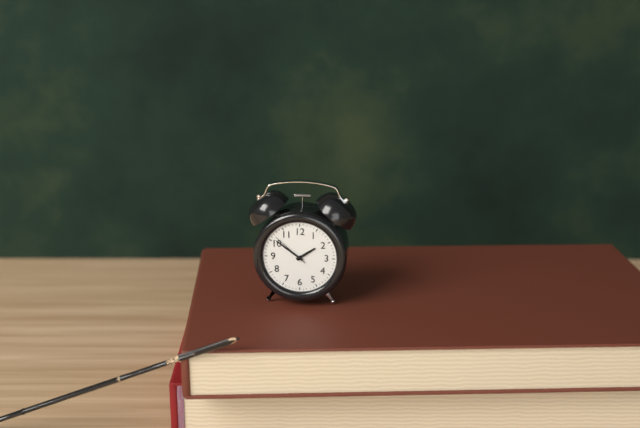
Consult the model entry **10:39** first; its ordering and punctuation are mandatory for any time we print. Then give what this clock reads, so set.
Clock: **1:51**
